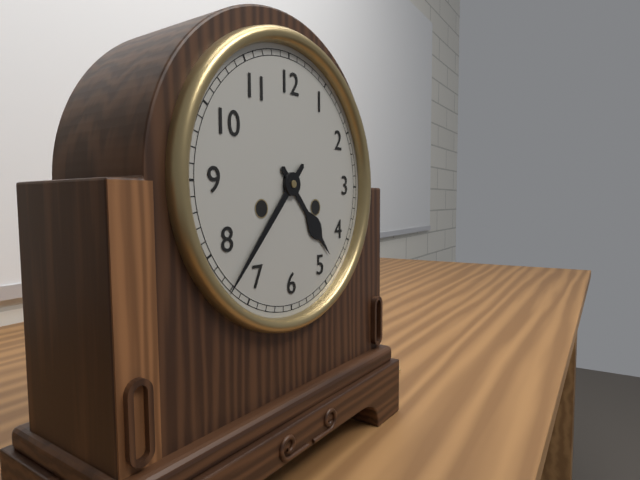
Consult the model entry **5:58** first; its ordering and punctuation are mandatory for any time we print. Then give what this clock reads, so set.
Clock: **4:37**
